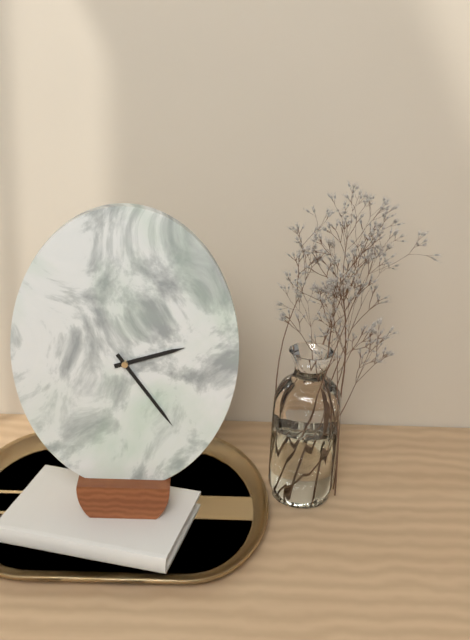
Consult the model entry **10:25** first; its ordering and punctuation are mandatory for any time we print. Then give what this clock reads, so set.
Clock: **2:24**
